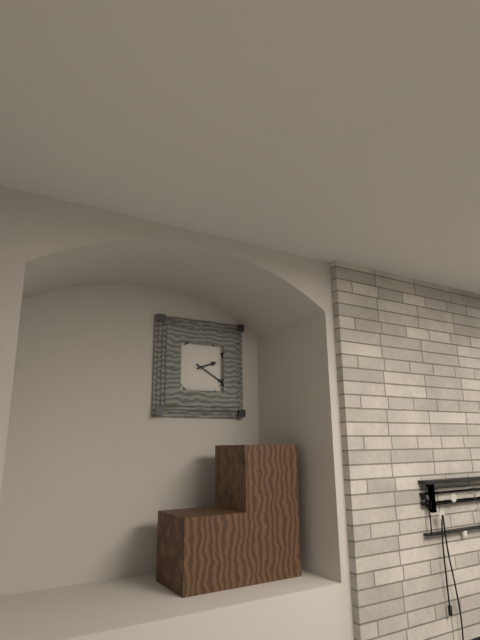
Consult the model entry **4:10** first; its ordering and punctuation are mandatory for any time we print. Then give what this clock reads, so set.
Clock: **2:20**
